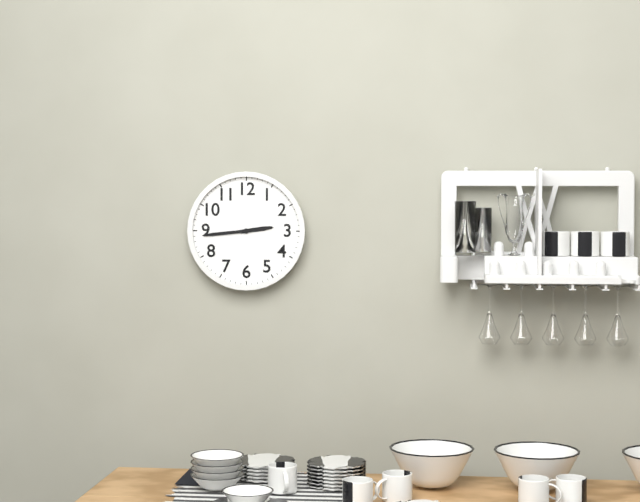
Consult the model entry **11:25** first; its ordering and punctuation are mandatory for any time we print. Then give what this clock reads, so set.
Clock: **2:44**
